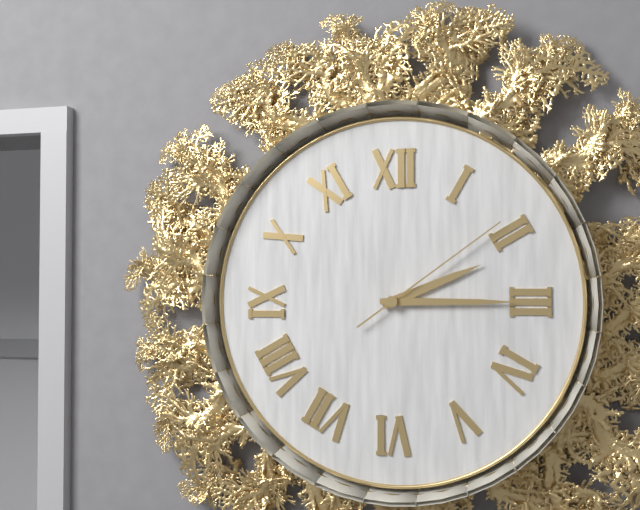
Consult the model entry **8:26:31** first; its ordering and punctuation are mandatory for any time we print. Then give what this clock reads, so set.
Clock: **2:15:09**
